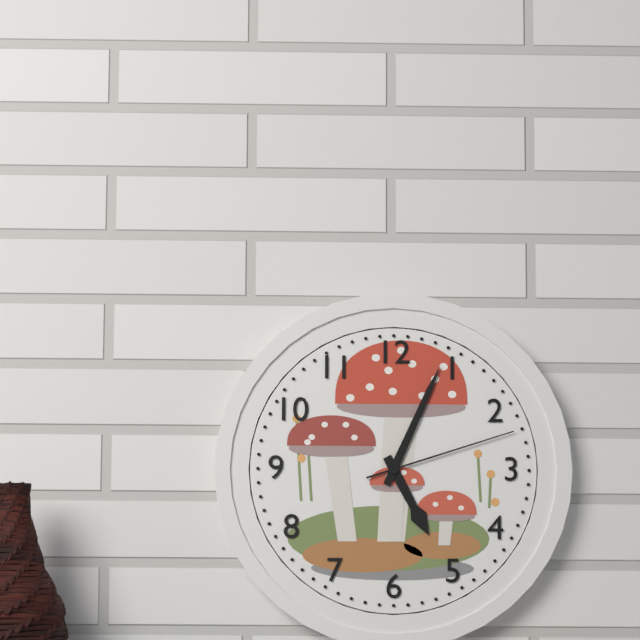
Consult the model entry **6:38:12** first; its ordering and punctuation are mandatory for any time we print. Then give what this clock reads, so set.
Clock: **5:04:12**
